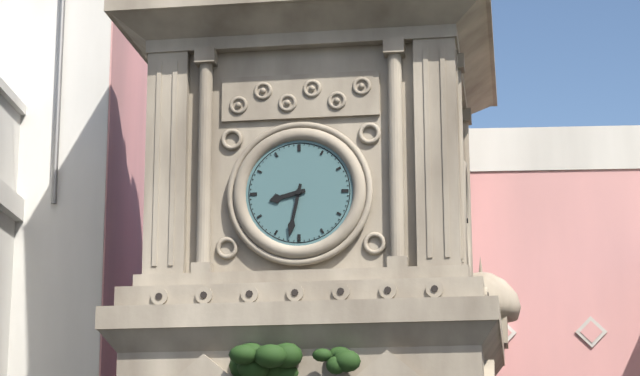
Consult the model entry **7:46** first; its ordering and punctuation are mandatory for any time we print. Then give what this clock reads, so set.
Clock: **8:32**
